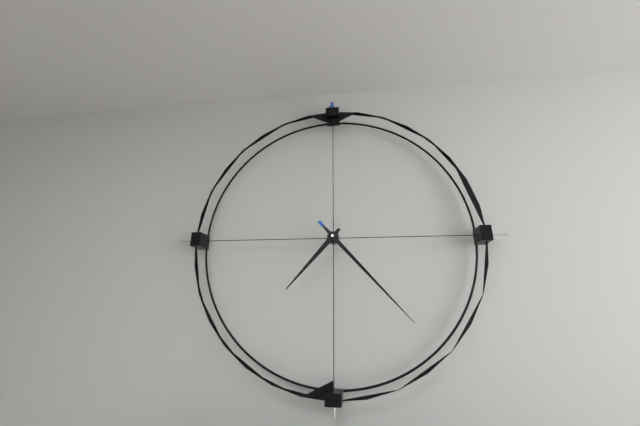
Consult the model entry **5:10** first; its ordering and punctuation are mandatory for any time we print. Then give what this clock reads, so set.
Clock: **7:23**
